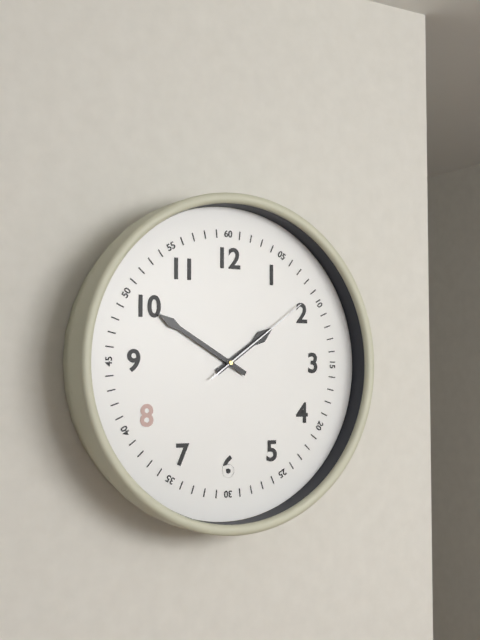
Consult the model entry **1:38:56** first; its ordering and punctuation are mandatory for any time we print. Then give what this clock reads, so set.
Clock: **1:50:09**
